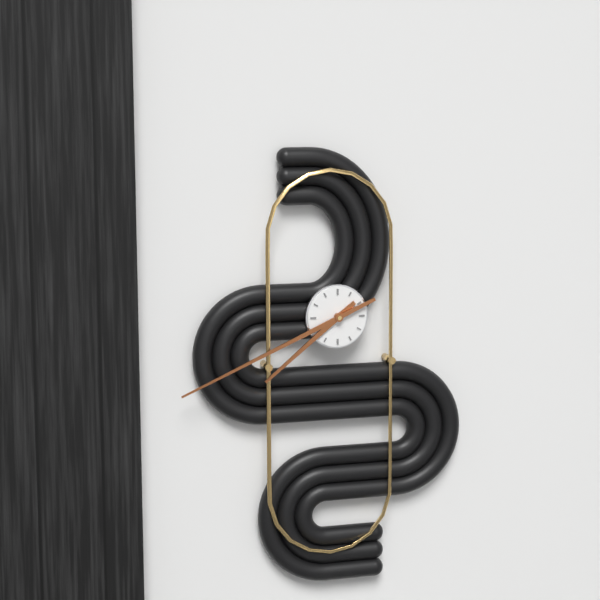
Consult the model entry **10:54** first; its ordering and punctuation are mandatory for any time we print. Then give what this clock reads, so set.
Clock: **7:41**
